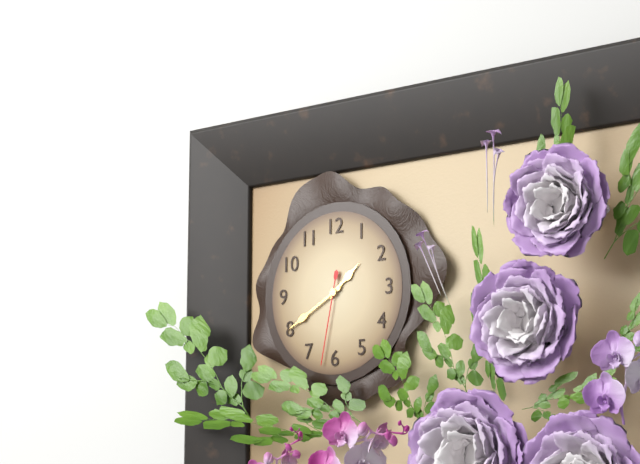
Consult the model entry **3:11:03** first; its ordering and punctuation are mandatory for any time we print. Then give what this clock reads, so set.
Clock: **1:40:32**
